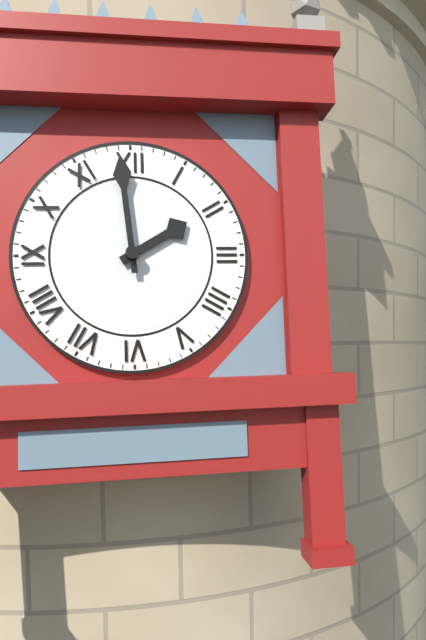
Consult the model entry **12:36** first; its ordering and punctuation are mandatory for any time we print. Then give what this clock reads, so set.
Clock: **1:59**
